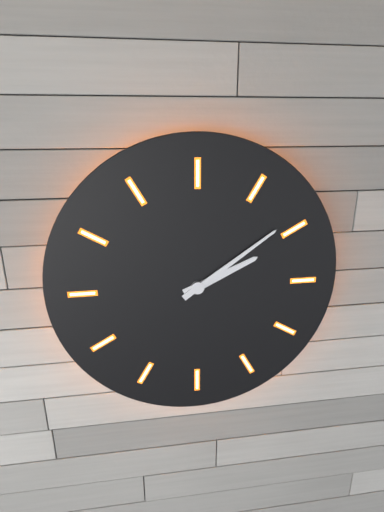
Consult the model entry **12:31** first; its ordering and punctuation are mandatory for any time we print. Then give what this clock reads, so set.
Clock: **2:09**
